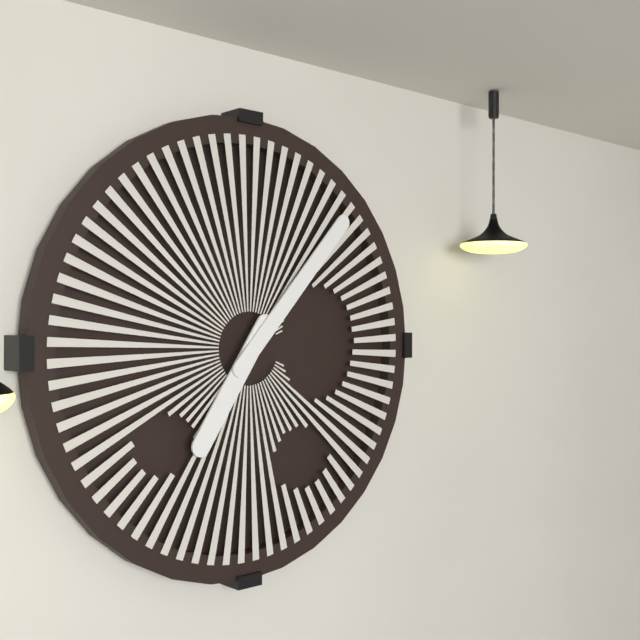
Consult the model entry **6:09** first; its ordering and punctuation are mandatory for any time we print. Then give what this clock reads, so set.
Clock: **7:07**
